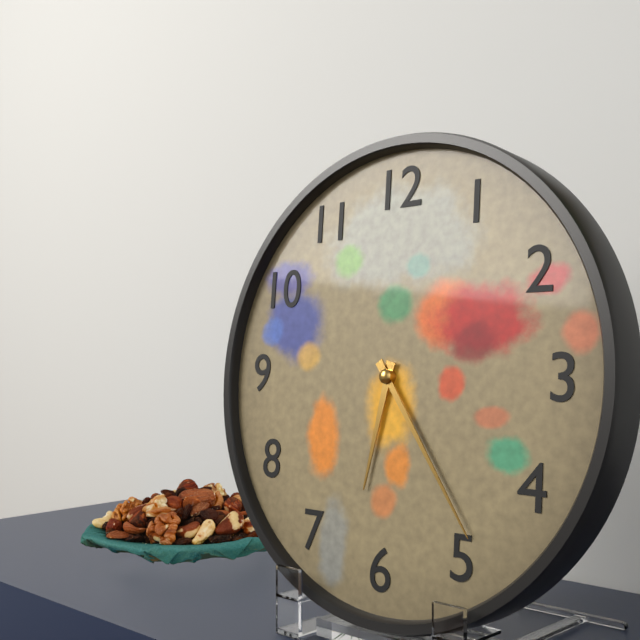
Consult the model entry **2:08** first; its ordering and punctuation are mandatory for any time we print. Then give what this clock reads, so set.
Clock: **6:24**
